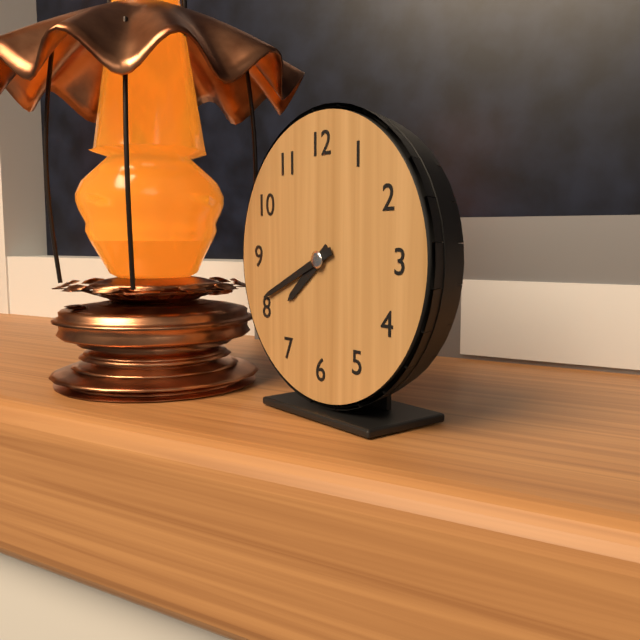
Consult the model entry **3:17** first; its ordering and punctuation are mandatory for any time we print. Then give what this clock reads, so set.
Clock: **7:41**
